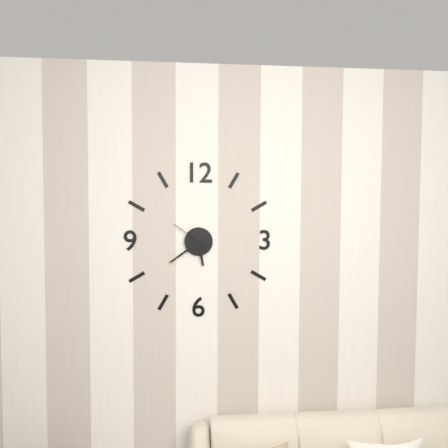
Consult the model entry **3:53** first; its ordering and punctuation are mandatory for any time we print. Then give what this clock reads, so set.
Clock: **5:39**
